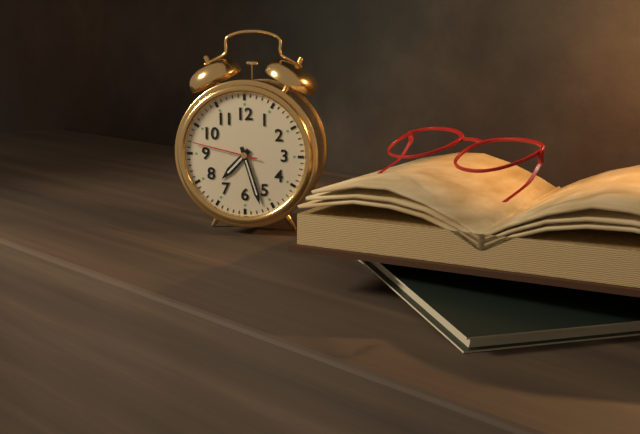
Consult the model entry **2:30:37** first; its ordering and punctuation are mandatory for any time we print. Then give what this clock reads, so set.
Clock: **7:27:47**
